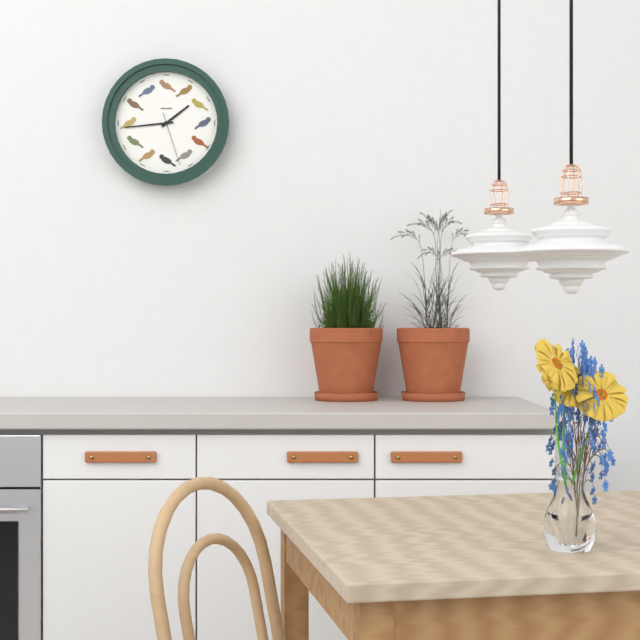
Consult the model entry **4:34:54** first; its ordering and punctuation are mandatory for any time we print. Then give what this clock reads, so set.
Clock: **1:44:27**
